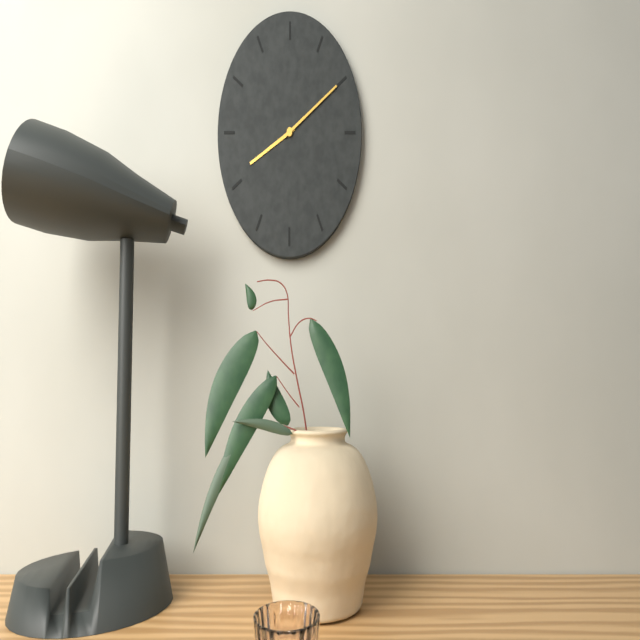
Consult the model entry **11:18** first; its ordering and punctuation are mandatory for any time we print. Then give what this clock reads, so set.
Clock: **8:10**
